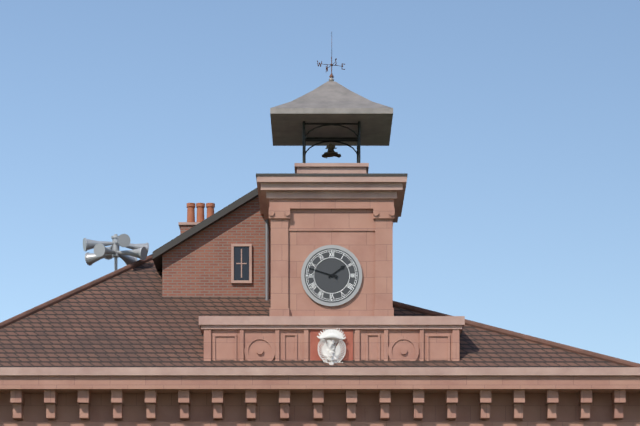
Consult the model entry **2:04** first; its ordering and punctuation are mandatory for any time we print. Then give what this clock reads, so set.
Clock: **1:48**
